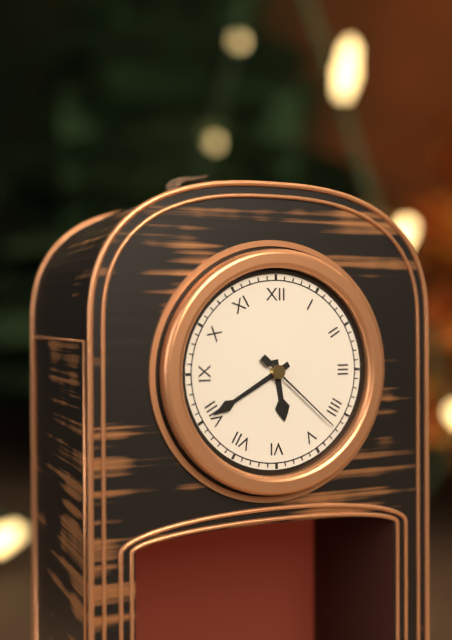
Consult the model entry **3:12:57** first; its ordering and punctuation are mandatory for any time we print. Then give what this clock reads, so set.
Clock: **5:40:22**
